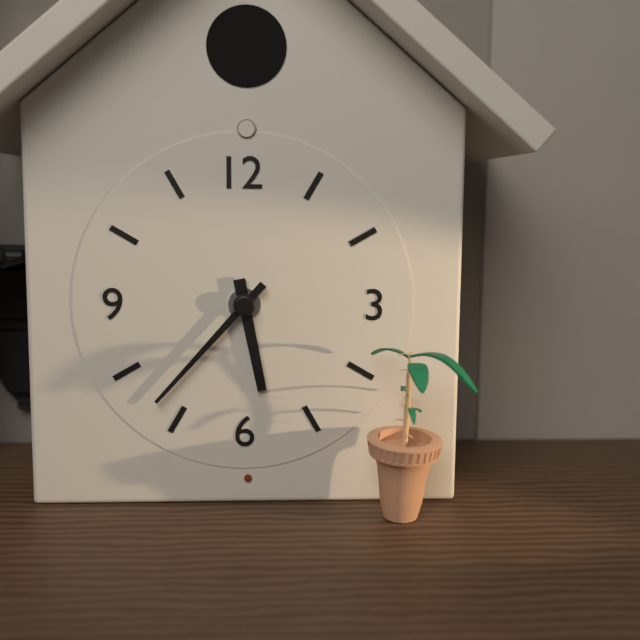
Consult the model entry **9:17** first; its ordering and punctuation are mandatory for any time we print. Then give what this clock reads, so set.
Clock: **5:37**
